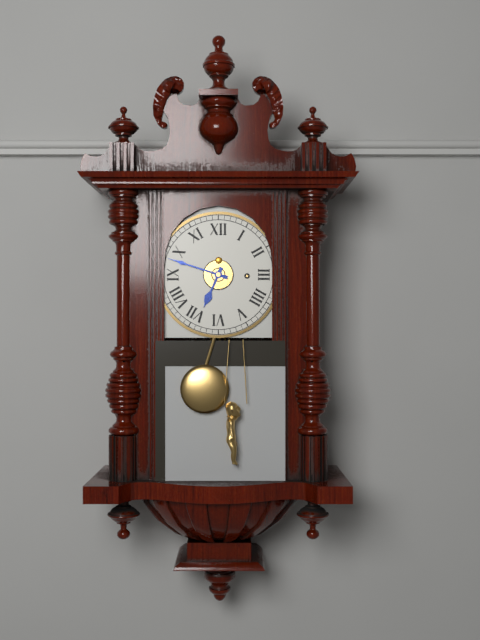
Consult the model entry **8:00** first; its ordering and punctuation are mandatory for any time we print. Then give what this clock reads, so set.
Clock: **6:48**
